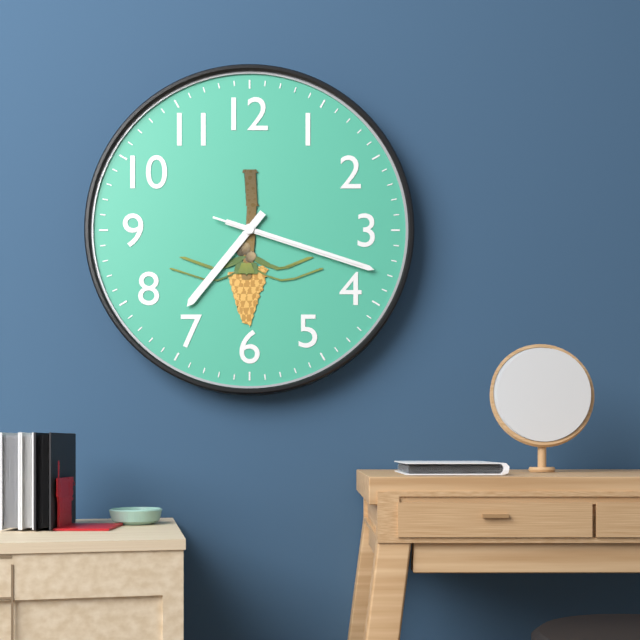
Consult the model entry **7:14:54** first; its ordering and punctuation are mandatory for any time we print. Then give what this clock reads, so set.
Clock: **7:18:18**
